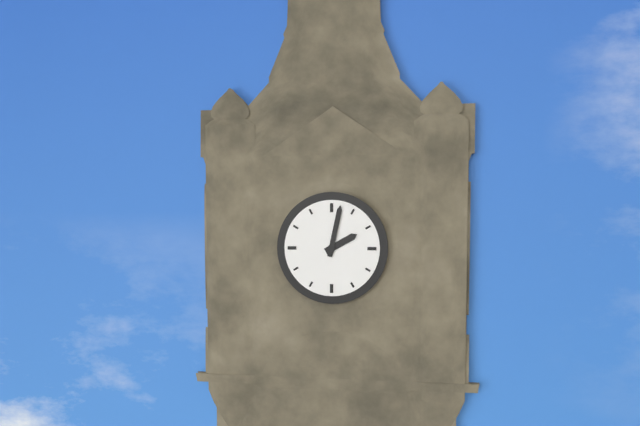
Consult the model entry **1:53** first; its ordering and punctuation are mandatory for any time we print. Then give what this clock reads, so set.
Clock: **2:02**
